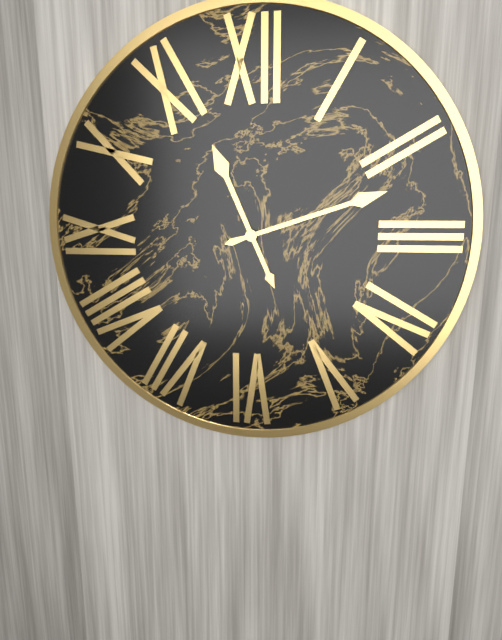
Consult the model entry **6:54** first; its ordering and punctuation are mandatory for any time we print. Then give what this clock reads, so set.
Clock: **11:12**
